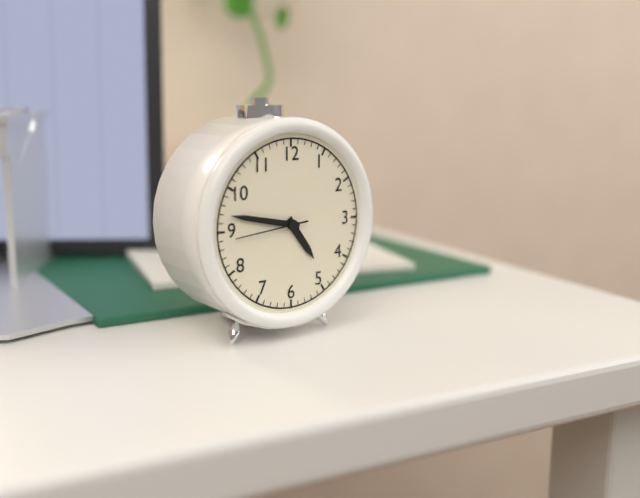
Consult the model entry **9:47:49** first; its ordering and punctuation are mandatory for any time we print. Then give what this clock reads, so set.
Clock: **4:47:44**
